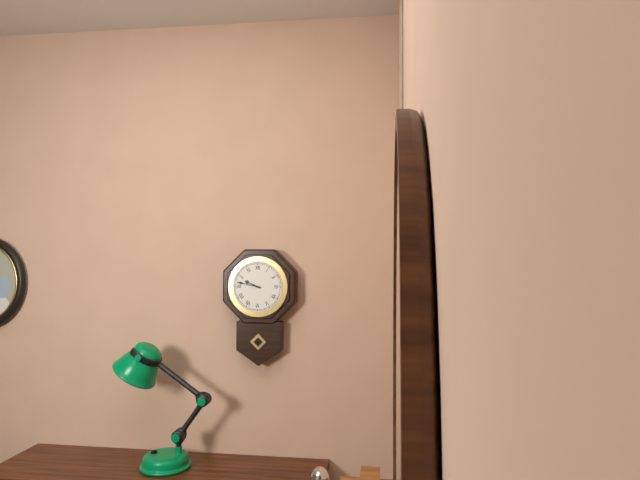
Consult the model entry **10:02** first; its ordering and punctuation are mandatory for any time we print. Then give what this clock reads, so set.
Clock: **9:47**
